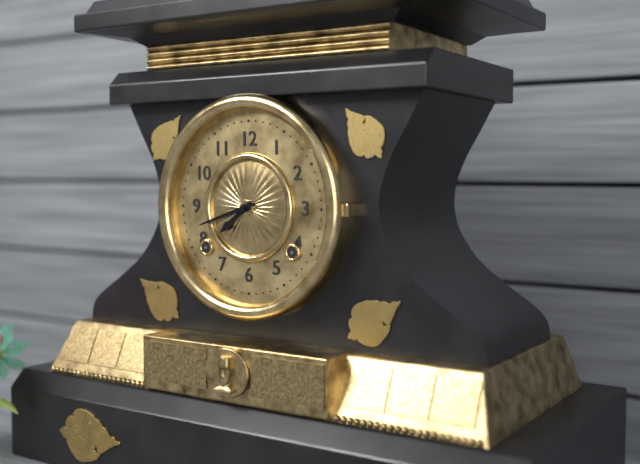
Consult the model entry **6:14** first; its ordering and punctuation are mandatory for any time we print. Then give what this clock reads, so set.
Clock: **7:42**
